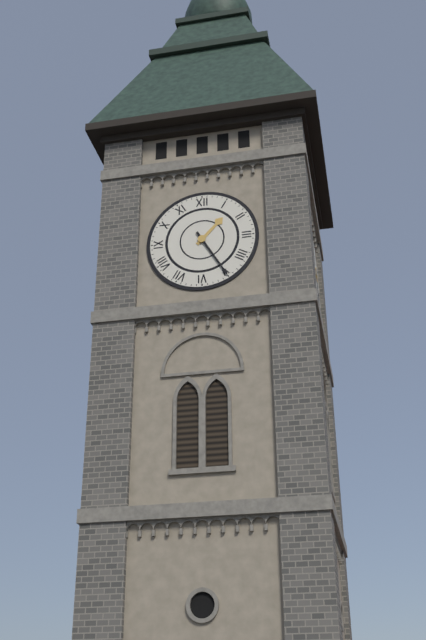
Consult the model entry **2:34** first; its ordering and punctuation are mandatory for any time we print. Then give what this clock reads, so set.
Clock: **1:25**
